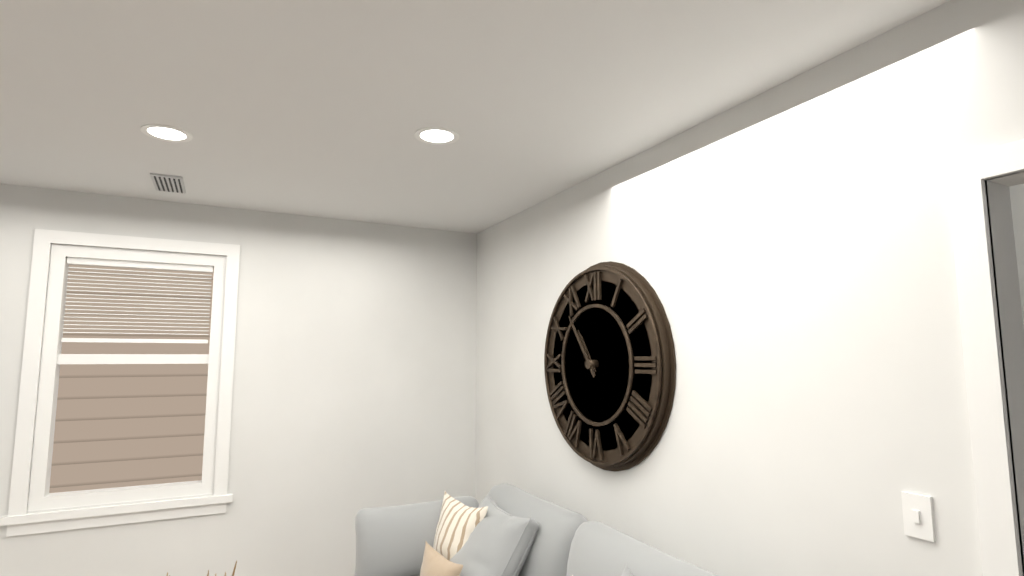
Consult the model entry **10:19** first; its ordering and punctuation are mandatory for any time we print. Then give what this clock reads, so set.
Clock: **10:54**
